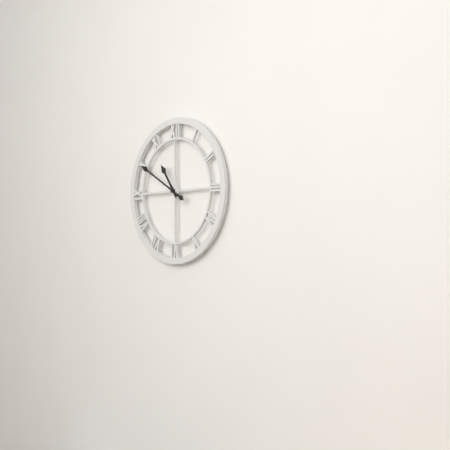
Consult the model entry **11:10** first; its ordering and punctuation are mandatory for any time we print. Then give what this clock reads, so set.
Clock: **10:50**
